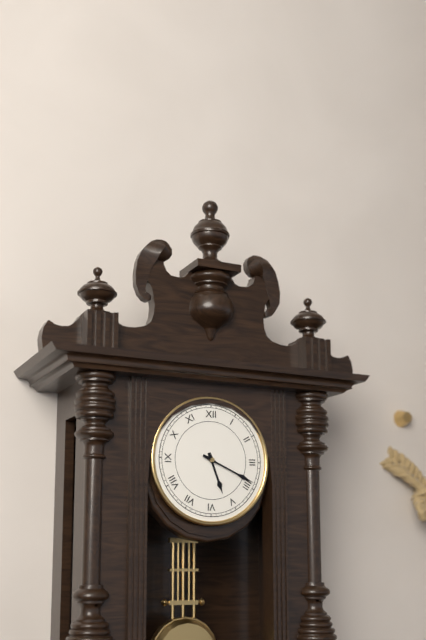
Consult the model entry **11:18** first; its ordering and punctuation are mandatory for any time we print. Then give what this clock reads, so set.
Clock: **5:19**
